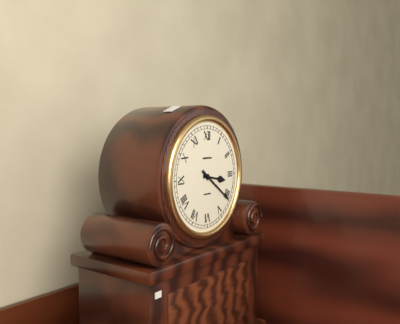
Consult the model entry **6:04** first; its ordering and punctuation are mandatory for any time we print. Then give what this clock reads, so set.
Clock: **3:21**
